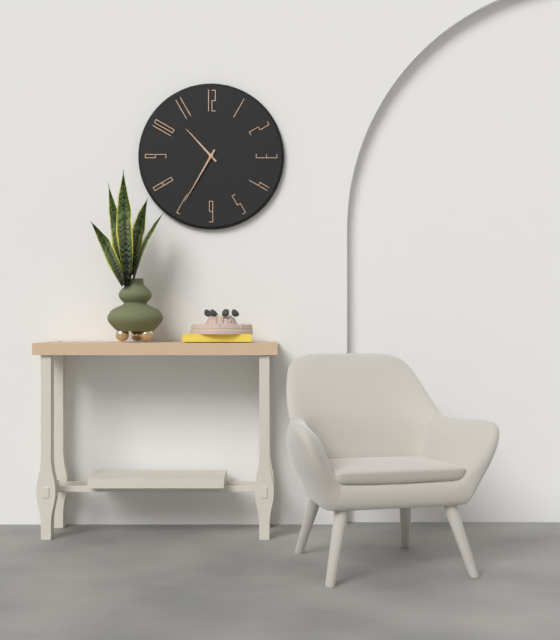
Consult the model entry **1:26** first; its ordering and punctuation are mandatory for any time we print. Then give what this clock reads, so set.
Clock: **10:35**
